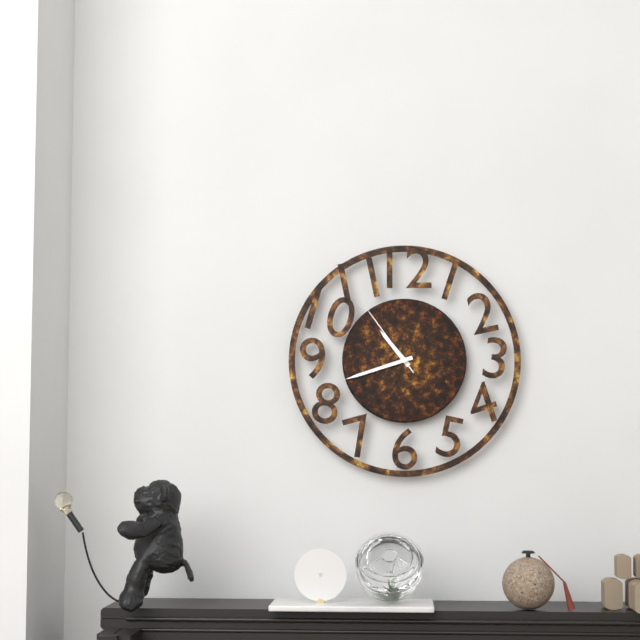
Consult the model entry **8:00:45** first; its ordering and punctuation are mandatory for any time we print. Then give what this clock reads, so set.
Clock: **10:42:54**
